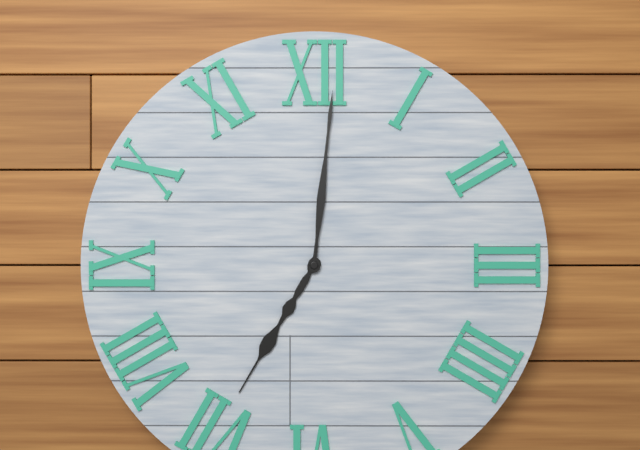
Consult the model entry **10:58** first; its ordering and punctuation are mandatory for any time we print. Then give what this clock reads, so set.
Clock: **7:01**
